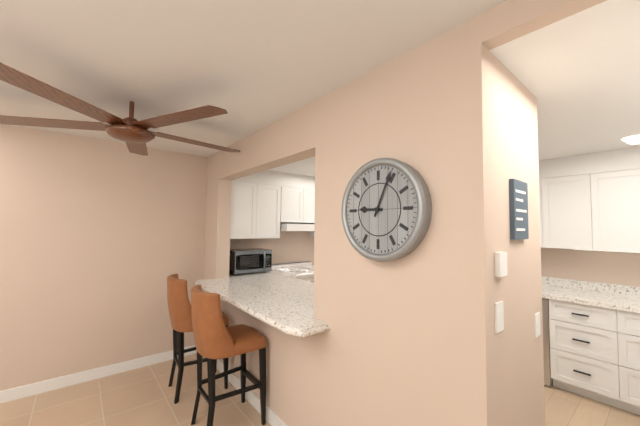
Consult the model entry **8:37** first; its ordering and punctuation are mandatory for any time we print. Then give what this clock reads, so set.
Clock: **9:04**
